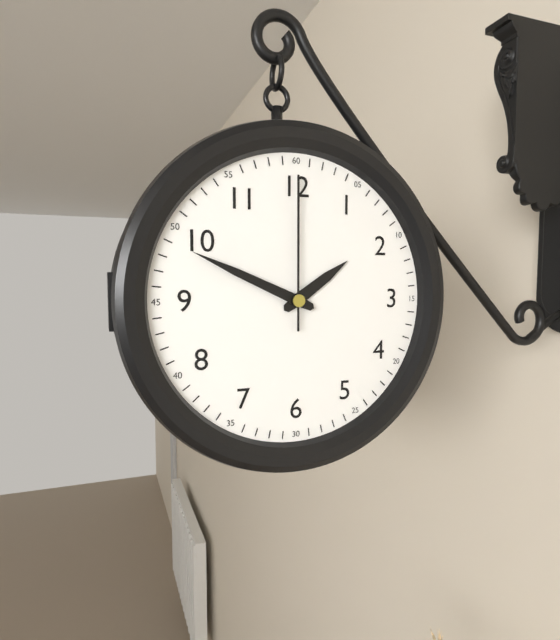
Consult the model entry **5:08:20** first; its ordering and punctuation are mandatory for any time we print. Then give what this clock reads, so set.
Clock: **1:49:00**
